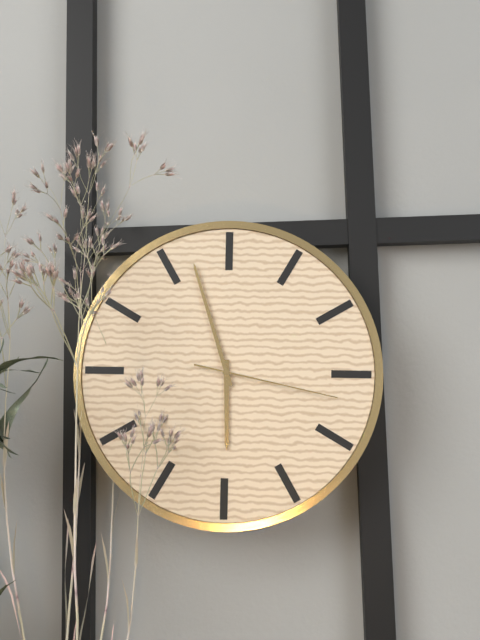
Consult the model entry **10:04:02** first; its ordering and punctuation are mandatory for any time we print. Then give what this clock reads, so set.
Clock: **5:57:17**
